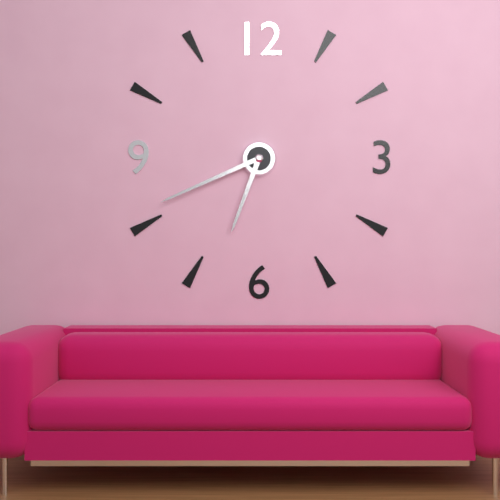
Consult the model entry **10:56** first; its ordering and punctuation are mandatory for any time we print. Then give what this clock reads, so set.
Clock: **6:41**
